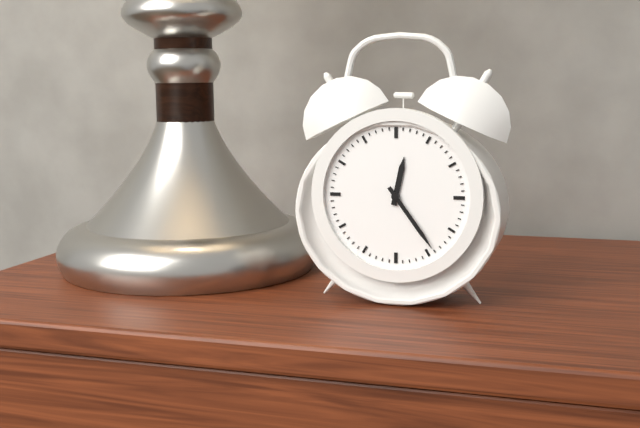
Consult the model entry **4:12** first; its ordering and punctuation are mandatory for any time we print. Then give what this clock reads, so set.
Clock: **12:24**
